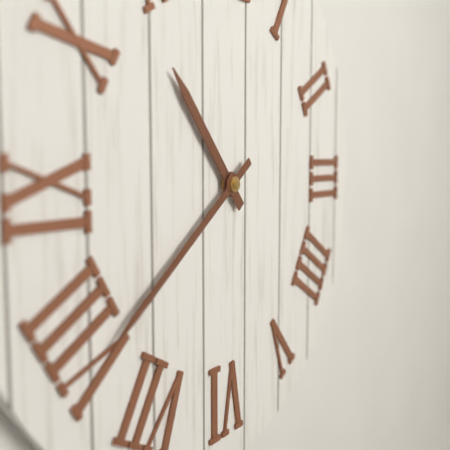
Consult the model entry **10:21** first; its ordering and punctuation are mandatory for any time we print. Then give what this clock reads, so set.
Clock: **10:39**
